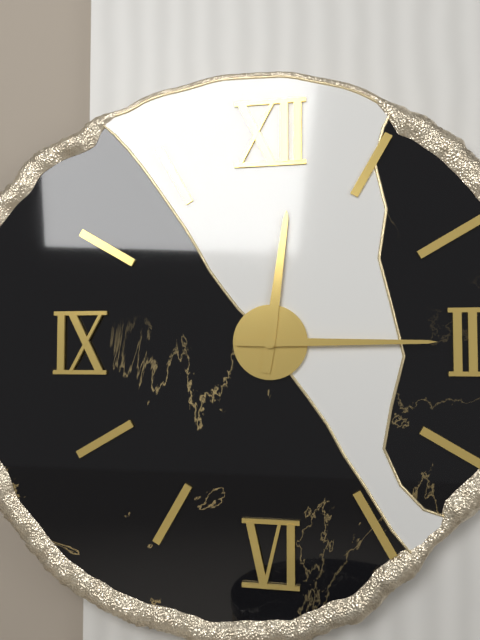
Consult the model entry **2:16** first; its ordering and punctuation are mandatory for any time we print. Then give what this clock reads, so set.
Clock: **12:15**
